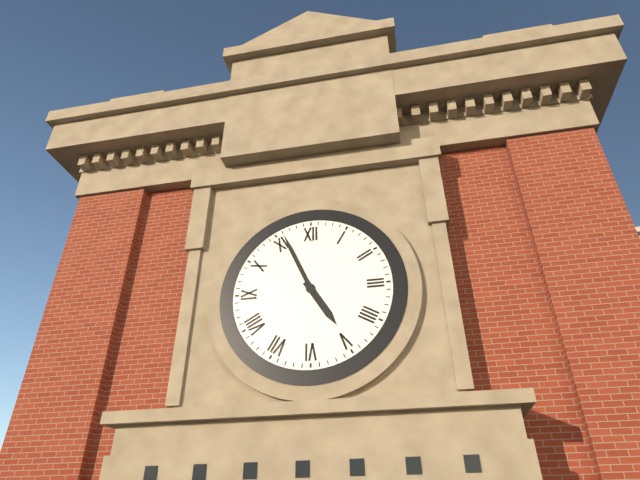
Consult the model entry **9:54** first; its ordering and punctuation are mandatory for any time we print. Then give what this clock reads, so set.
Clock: **4:56**
